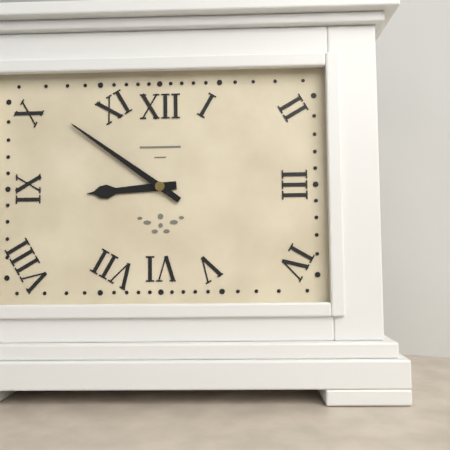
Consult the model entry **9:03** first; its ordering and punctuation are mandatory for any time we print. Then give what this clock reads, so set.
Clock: **8:51**
